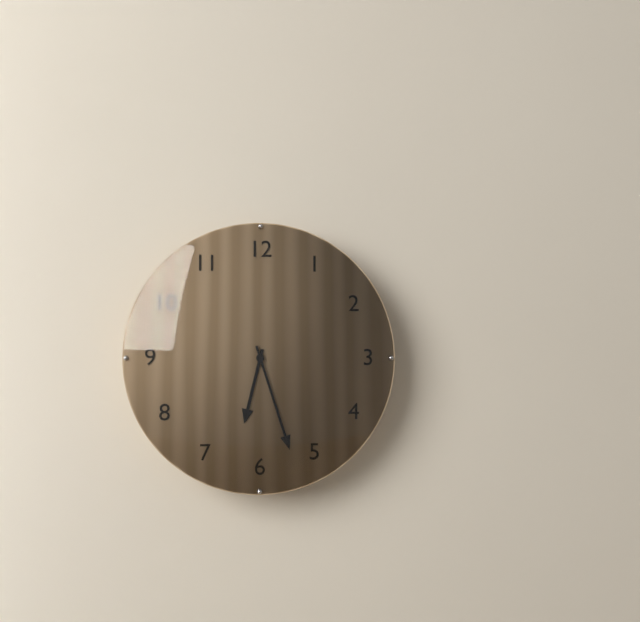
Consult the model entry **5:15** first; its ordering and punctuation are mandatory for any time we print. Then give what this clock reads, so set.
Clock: **6:27**
